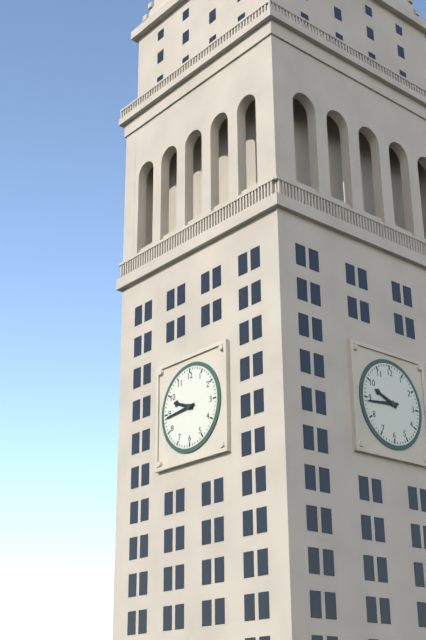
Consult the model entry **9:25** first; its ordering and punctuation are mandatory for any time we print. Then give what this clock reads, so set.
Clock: **9:44**
